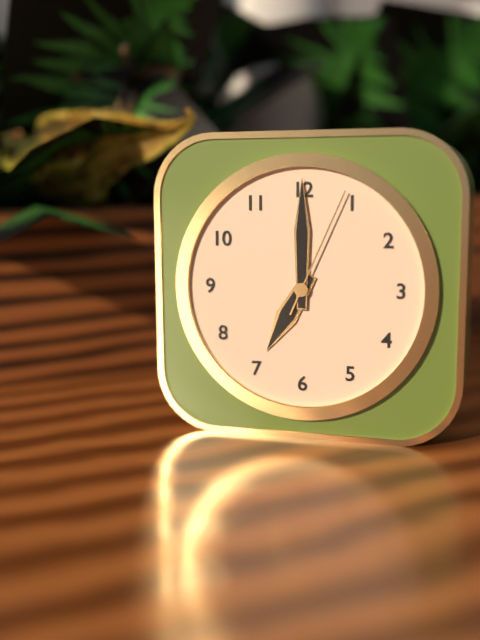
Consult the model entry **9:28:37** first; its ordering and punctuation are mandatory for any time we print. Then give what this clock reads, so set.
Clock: **7:00:04**
